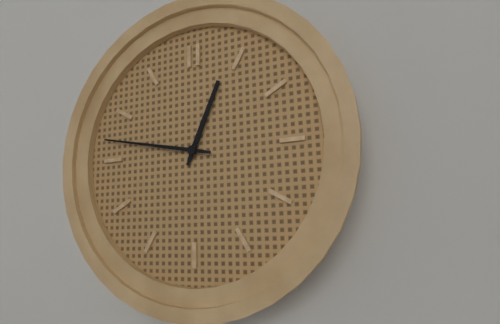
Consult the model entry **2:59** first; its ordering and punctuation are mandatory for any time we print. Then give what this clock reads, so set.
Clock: **12:47**
